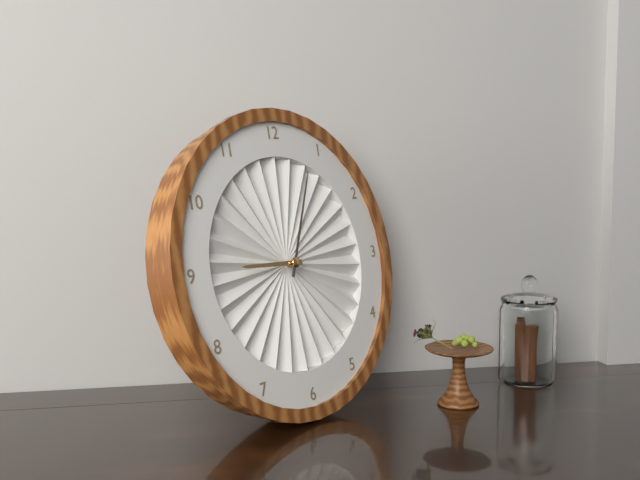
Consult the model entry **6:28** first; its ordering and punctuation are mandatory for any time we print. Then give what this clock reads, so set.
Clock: **9:04**
